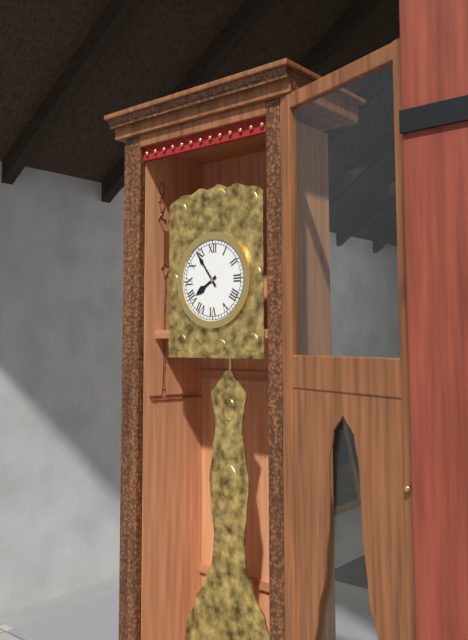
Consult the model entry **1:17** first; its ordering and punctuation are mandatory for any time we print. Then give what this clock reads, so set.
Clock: **7:54**
